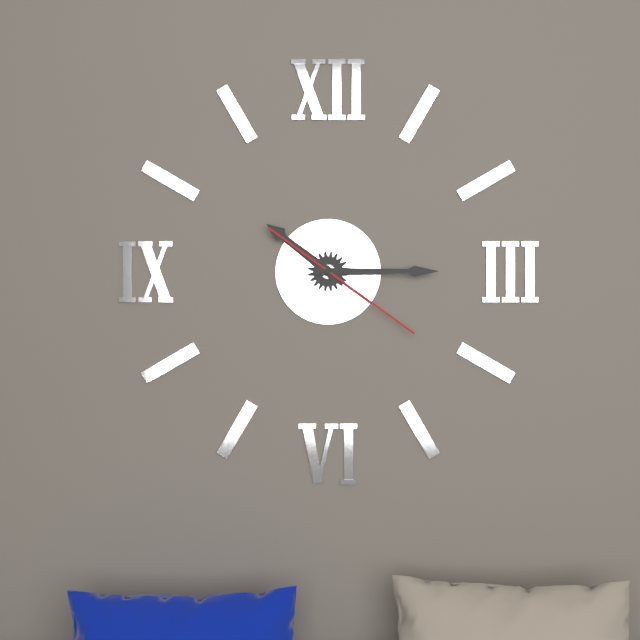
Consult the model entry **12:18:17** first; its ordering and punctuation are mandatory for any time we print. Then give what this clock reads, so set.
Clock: **10:15:21**
